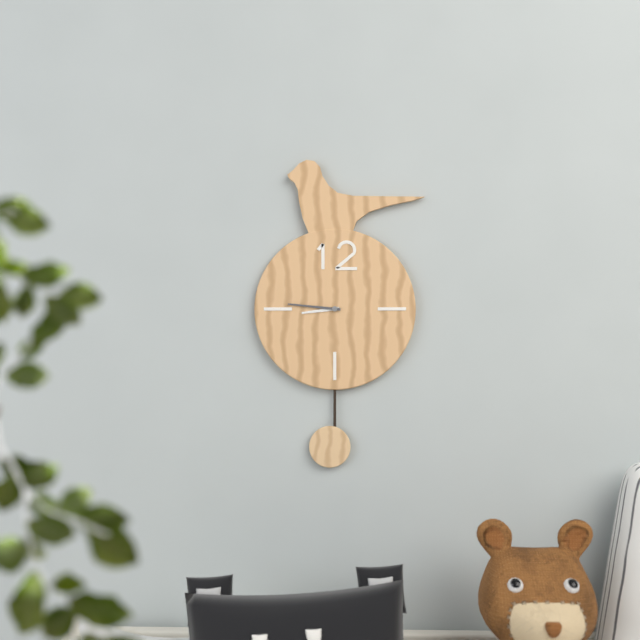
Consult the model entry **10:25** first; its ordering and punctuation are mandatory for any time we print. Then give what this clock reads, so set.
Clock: **8:46**
